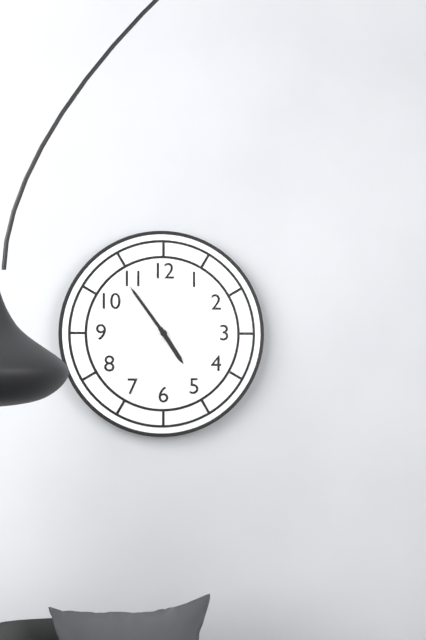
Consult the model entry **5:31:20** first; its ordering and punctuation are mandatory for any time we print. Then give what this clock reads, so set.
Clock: **4:54:03**
